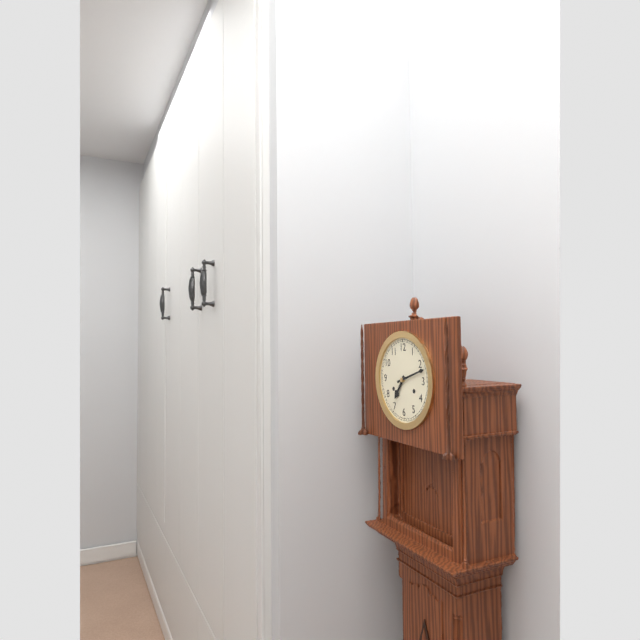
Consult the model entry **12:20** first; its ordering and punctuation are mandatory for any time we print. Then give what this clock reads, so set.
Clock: **7:12**
